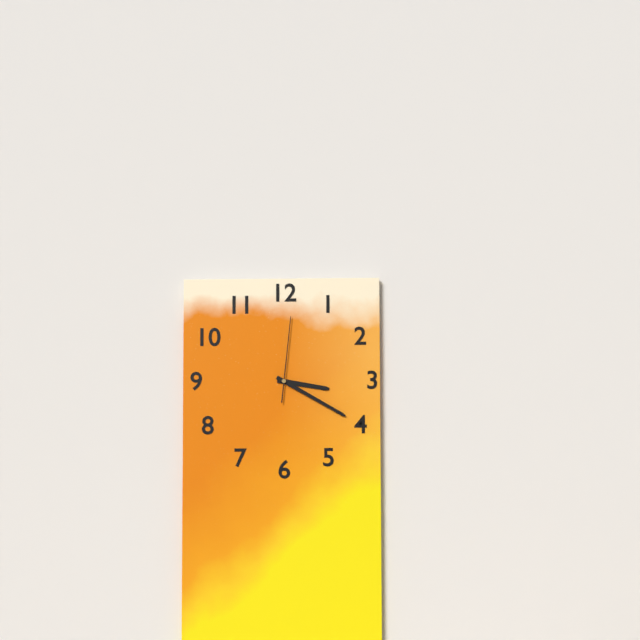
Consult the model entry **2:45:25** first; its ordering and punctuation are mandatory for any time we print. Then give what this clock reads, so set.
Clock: **3:20:01**
